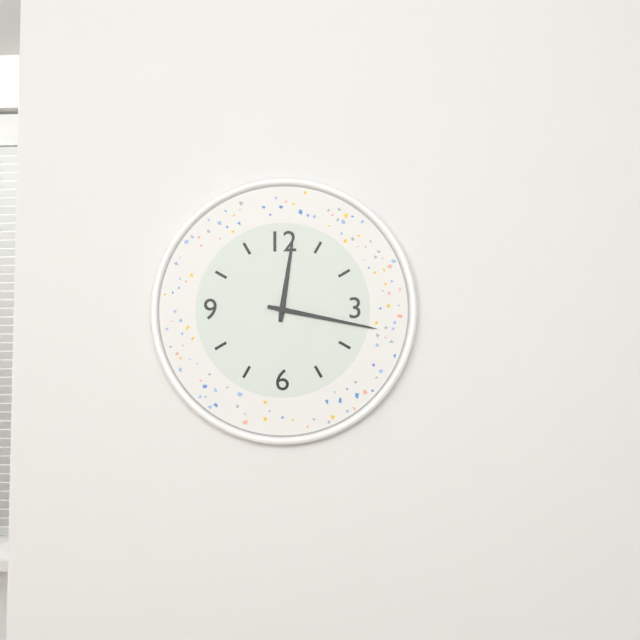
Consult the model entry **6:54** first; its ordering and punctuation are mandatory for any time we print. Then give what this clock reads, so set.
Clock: **12:17**
